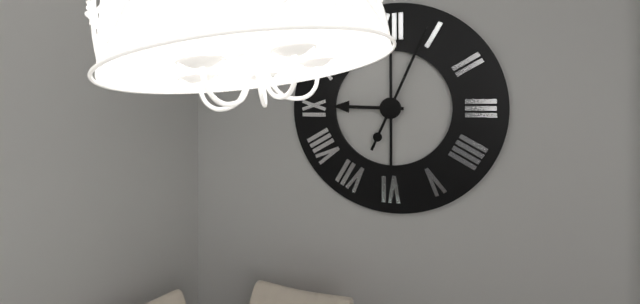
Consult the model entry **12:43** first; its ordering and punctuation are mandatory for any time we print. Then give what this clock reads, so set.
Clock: **9:04**
